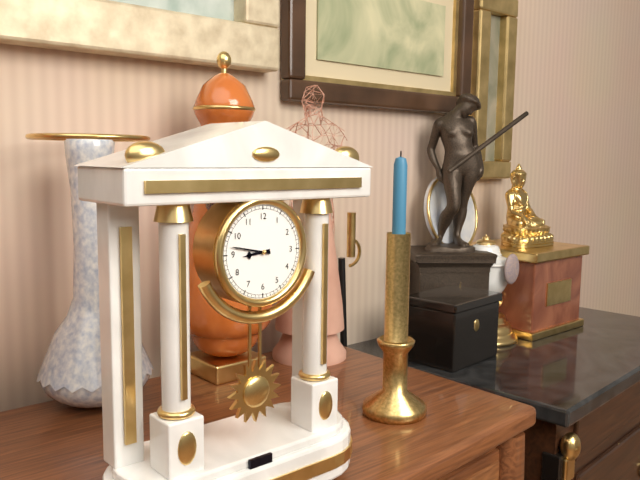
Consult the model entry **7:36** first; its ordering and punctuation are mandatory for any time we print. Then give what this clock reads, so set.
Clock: **8:47**
